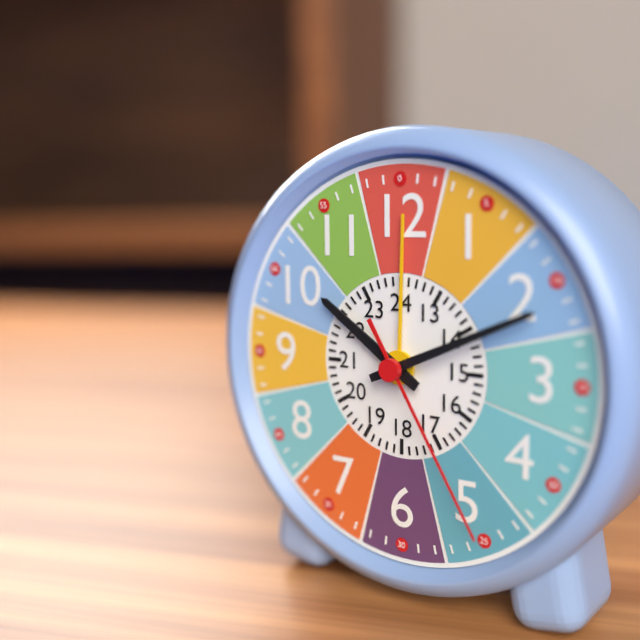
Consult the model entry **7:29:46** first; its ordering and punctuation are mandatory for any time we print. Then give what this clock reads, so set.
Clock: **10:11:25**
